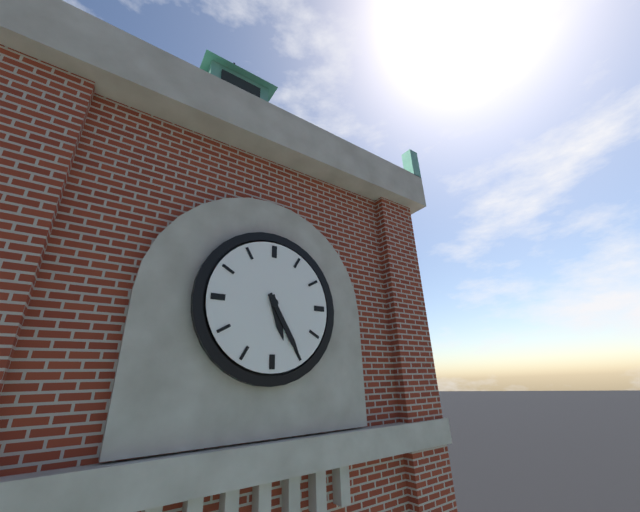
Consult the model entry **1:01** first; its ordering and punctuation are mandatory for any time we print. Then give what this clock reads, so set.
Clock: **5:25**
